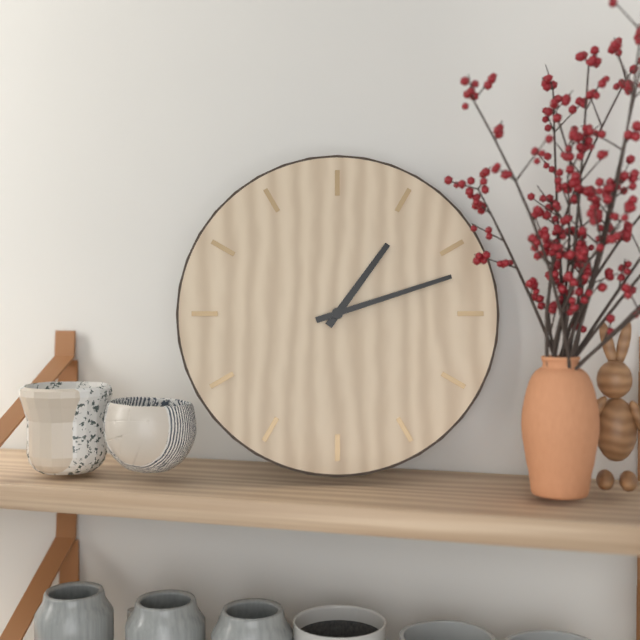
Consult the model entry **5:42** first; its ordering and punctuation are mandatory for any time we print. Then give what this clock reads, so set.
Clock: **1:12**
